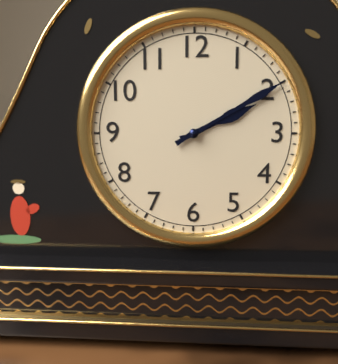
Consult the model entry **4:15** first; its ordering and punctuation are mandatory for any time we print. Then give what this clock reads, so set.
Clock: **2:10**
